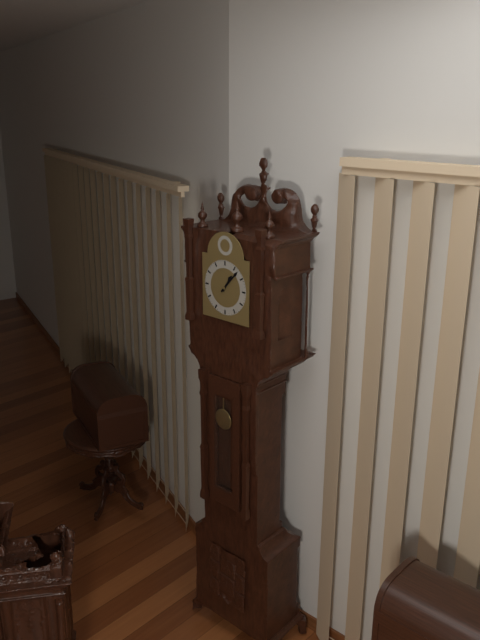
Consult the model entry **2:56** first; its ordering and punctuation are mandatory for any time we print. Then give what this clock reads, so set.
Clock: **1:07**
